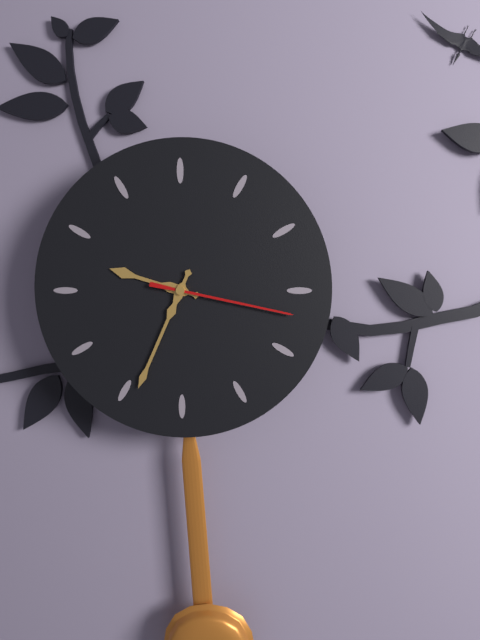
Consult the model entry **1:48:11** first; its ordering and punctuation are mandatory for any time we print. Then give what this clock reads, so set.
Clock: **9:34:17**
